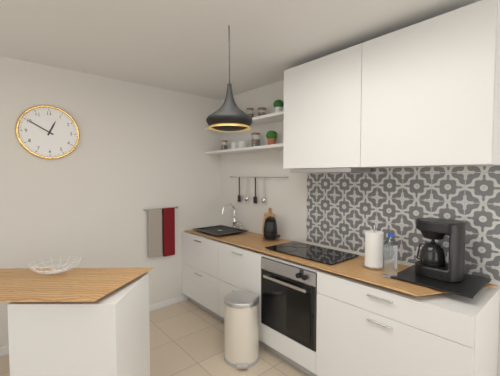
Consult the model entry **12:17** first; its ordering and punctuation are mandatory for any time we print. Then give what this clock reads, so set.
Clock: **12:50**
